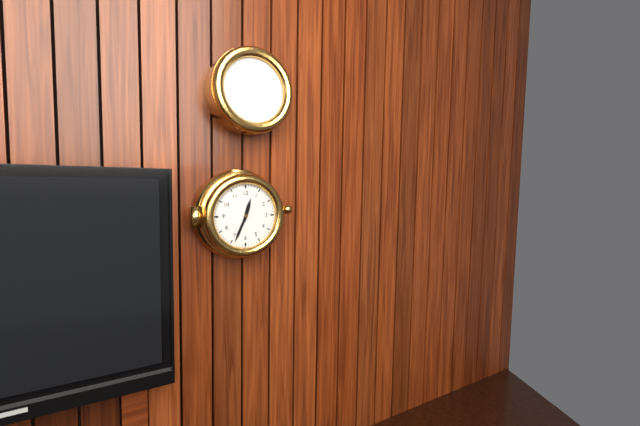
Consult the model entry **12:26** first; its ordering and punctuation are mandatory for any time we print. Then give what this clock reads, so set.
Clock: **12:34**
